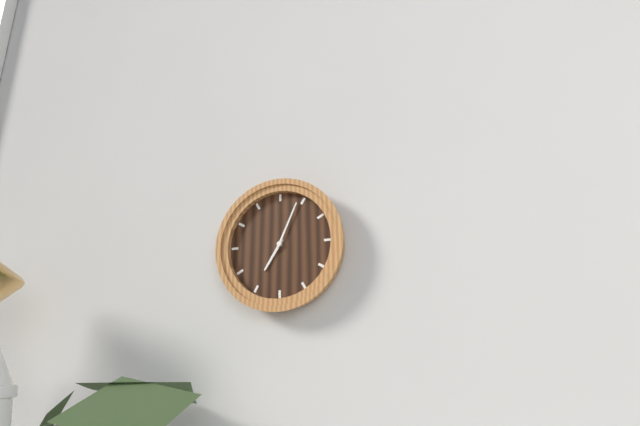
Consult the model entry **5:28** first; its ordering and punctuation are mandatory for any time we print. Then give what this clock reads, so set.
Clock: **7:04**
